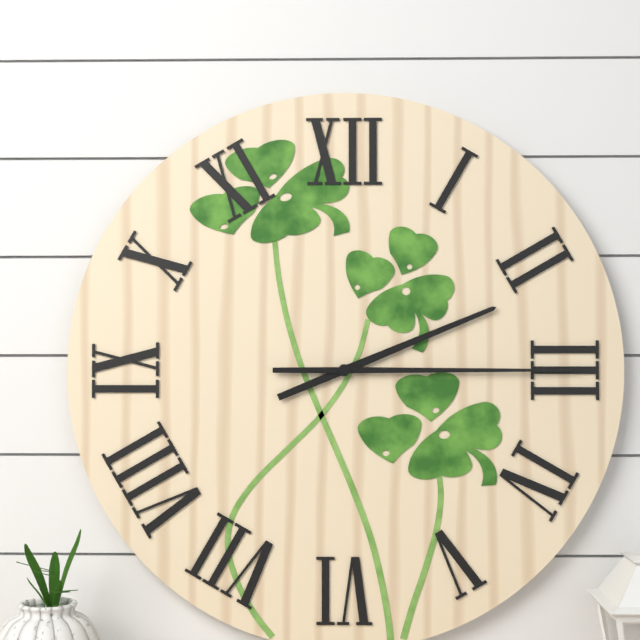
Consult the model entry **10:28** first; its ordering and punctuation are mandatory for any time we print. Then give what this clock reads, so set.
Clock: **2:15**
